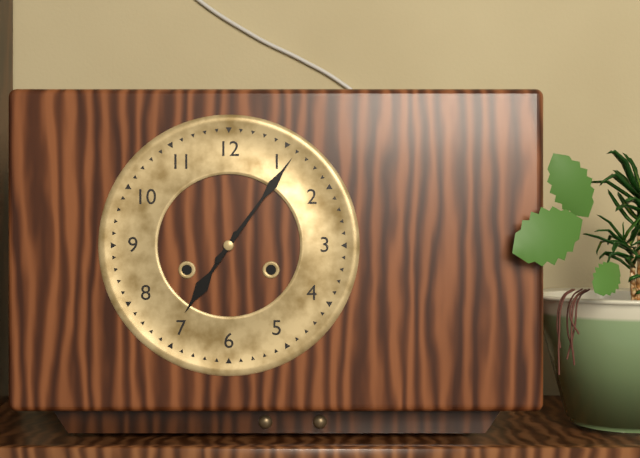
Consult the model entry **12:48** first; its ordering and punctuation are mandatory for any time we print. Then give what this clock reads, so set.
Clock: **7:06**
